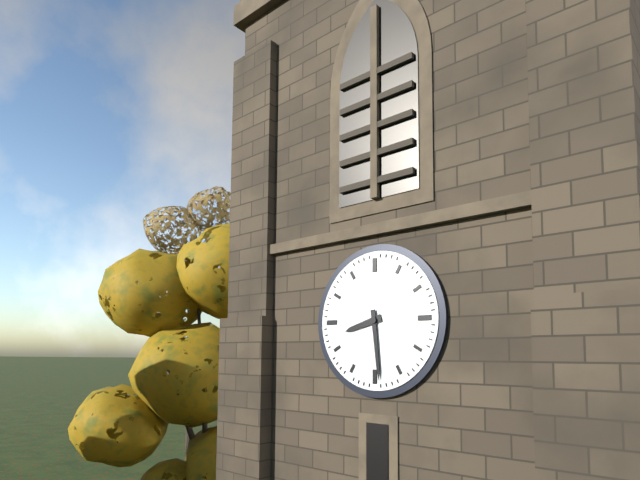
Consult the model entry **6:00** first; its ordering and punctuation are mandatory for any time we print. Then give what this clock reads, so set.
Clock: **8:29**
